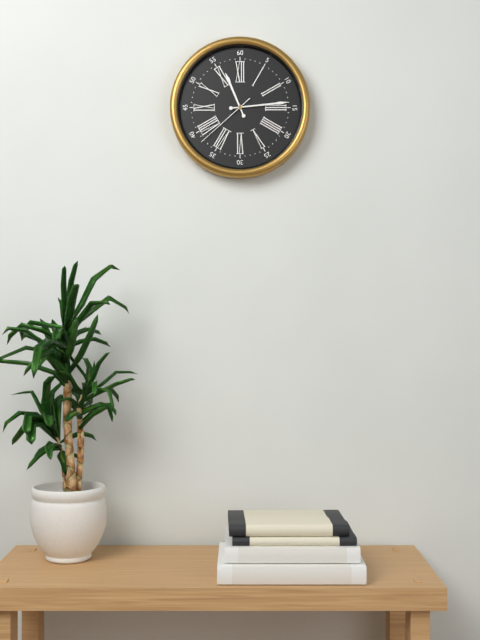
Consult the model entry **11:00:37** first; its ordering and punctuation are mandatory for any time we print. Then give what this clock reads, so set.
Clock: **11:14:38**
